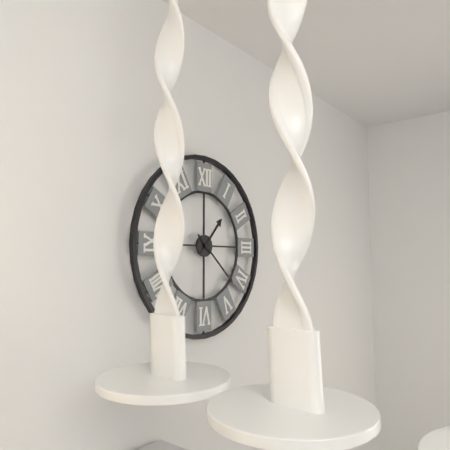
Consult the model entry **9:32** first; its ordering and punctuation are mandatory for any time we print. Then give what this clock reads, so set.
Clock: **1:22**
